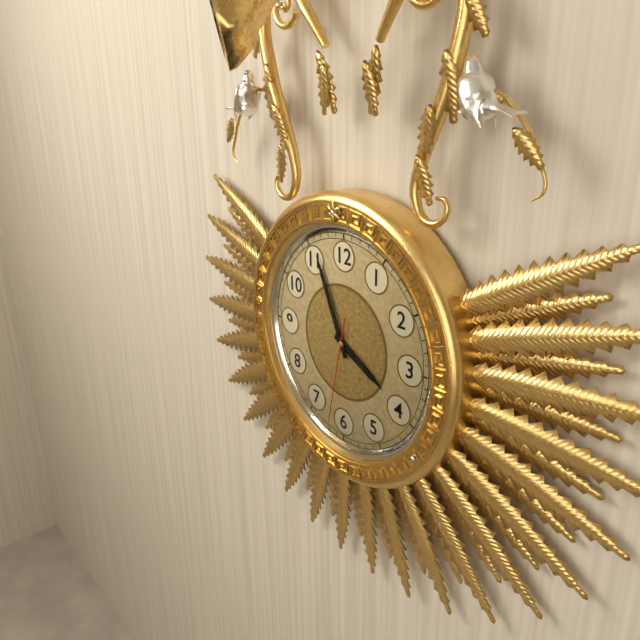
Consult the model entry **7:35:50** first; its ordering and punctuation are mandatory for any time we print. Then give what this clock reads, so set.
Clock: **3:56:32**
